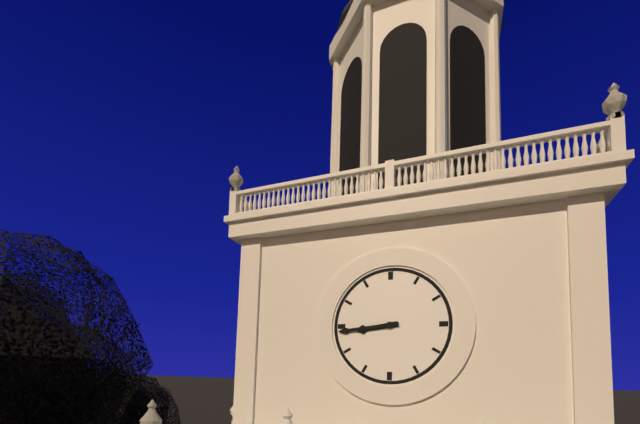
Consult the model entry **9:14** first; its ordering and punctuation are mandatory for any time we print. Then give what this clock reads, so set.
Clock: **8:44**
